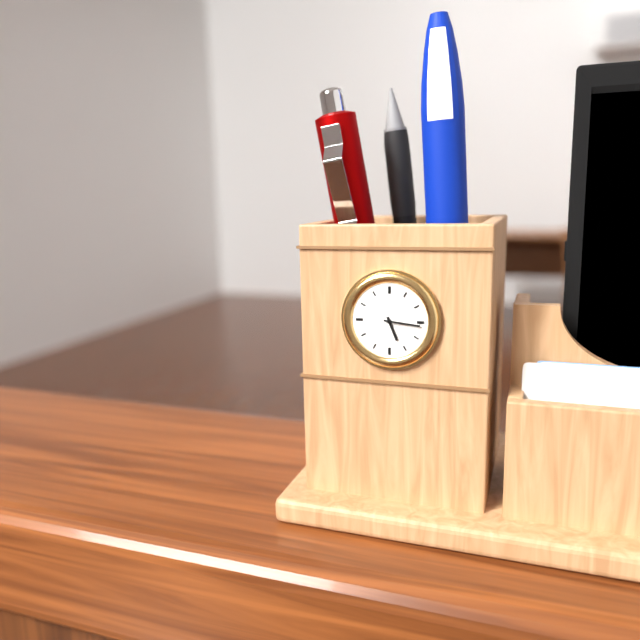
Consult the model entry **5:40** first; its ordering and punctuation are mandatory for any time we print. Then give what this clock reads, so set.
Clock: **5:16**
